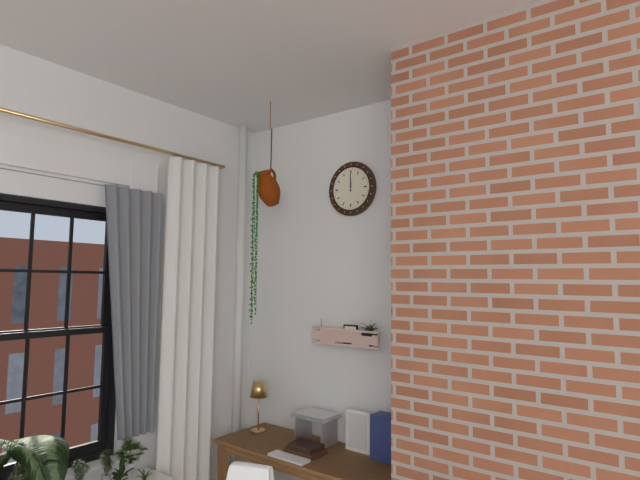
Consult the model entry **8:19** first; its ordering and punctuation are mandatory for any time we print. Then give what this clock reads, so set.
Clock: **12:00**
